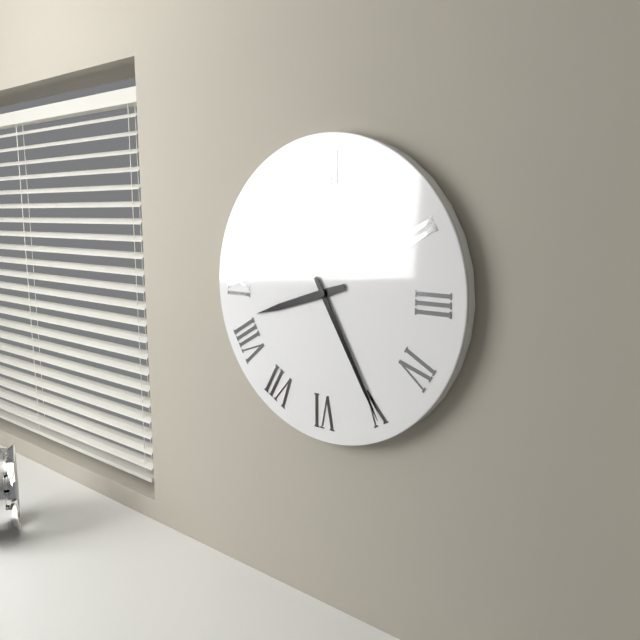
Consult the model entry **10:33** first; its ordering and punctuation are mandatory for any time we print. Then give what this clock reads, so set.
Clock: **8:25**
